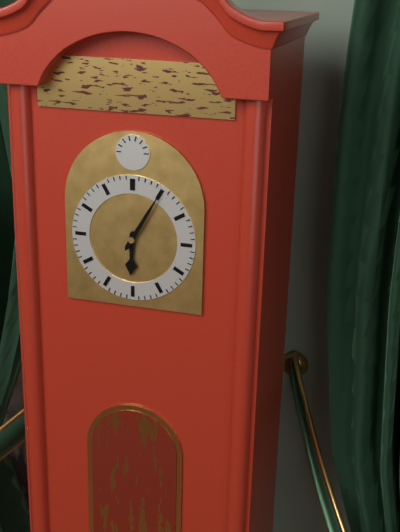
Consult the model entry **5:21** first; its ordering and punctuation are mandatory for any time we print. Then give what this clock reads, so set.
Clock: **6:05**
